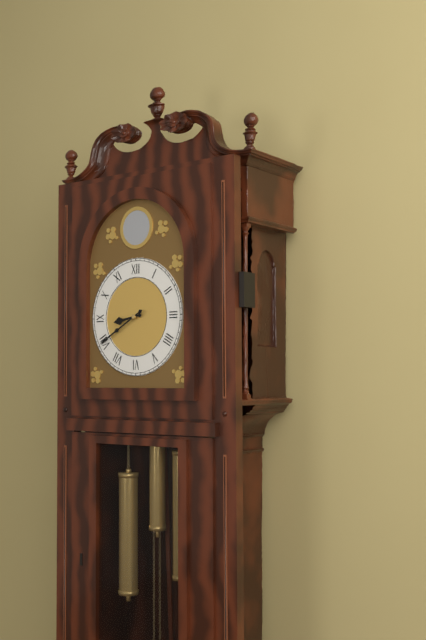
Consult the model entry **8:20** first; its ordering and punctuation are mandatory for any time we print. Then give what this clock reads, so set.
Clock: **8:40**
